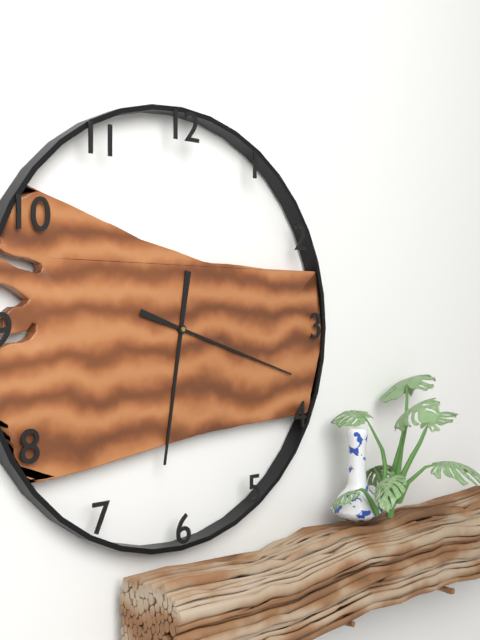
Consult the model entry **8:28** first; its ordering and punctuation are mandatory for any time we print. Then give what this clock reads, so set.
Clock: **6:18**
